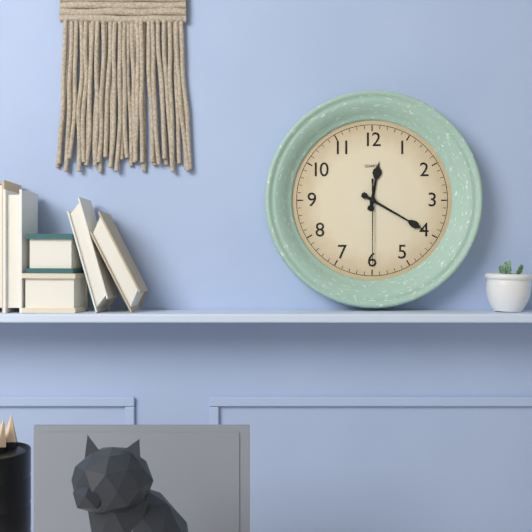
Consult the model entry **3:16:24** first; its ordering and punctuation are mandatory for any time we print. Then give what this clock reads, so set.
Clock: **12:20:30**
